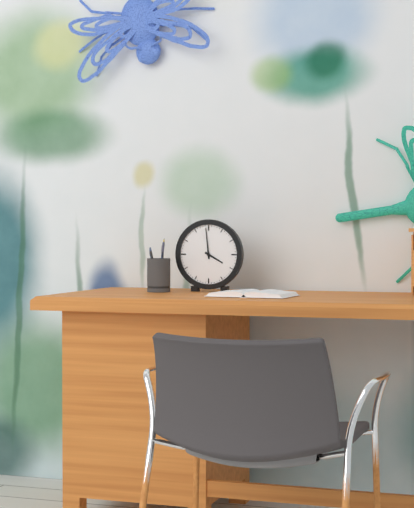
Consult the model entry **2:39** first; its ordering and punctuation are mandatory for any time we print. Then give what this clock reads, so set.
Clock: **3:59**
